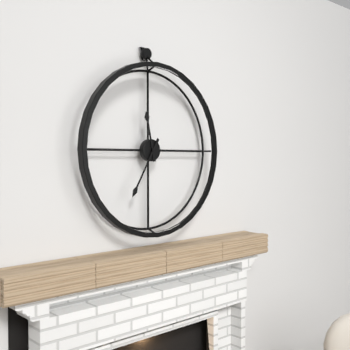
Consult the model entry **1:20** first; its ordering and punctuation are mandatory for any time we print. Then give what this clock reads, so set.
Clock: **11:35**
